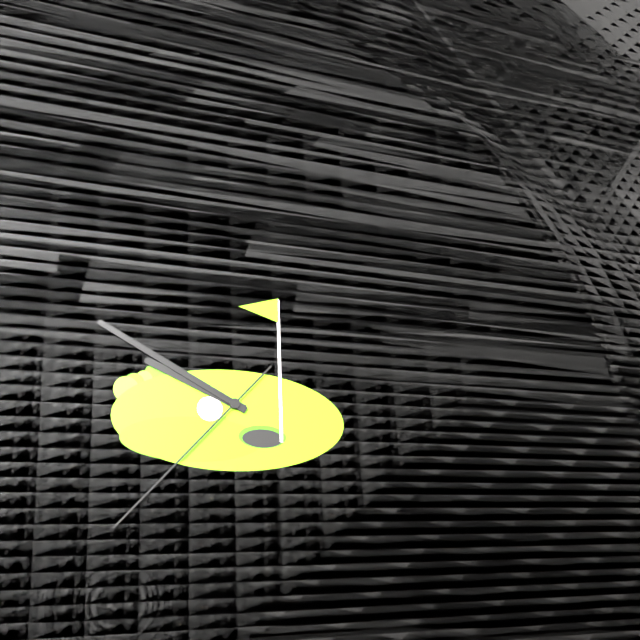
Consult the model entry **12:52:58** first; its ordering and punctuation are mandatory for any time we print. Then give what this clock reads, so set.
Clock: **9:50:37**
